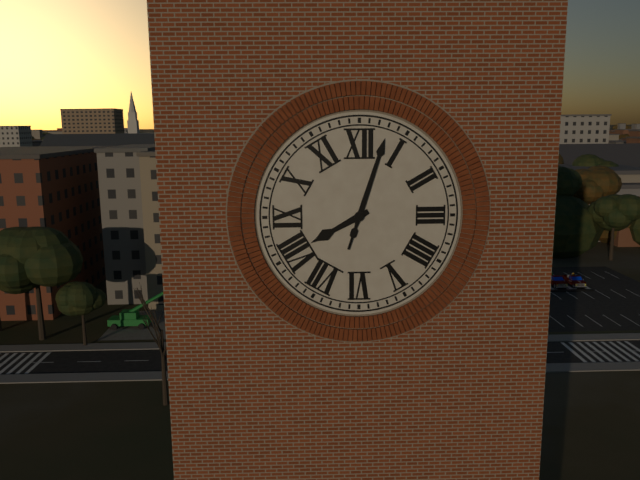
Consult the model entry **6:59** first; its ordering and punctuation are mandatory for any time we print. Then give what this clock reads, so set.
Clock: **8:03**
